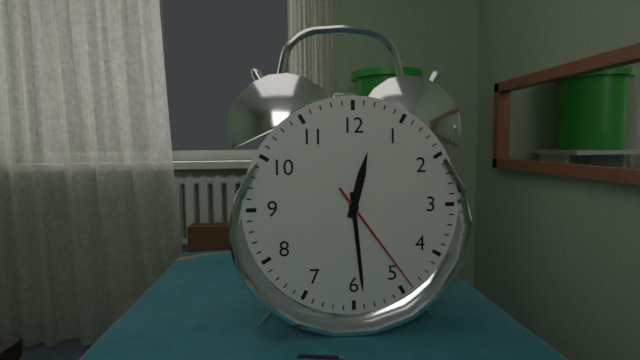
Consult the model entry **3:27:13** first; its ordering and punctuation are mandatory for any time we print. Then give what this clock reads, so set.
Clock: **12:29:24**
